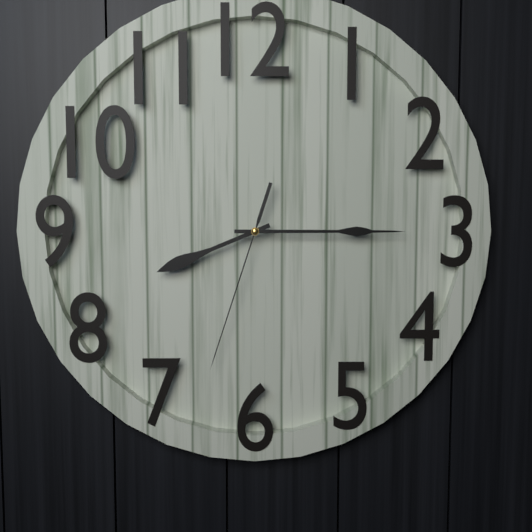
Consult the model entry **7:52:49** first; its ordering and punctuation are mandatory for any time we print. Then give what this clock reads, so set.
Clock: **8:15:33**
